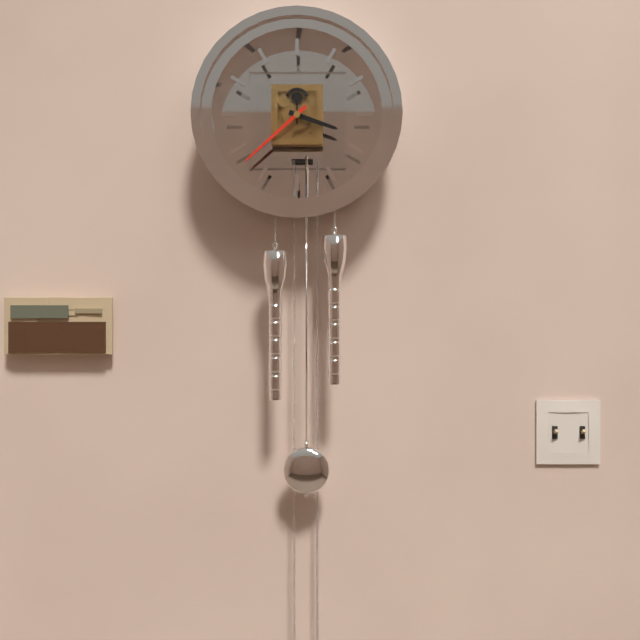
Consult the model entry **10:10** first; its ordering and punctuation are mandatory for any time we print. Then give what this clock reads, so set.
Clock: **3:38**
